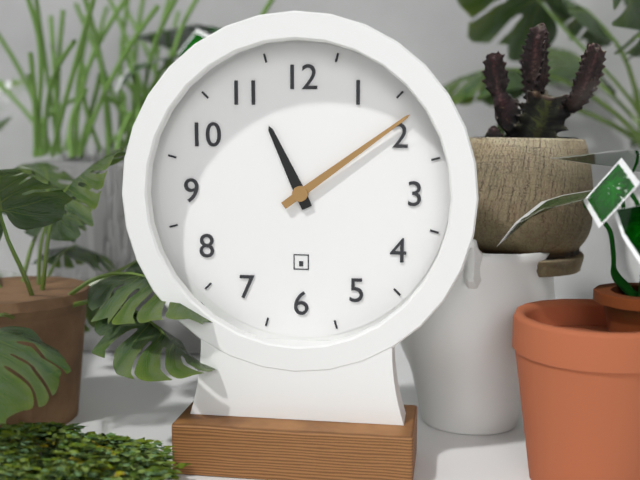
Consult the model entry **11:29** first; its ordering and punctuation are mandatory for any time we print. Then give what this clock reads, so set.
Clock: **11:09**
